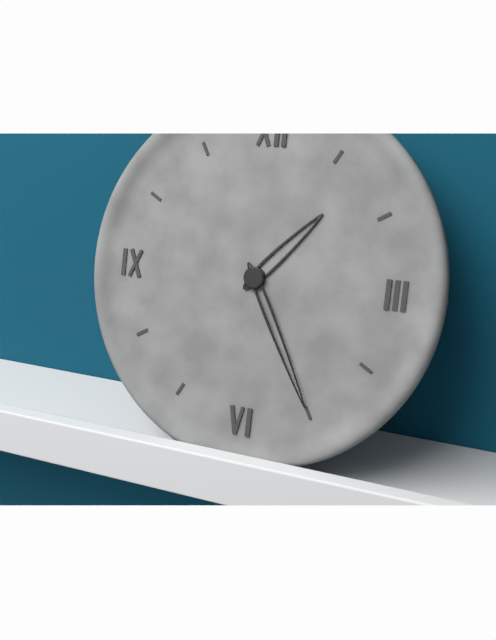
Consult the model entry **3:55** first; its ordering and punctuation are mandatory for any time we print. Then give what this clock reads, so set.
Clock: **1:25**
